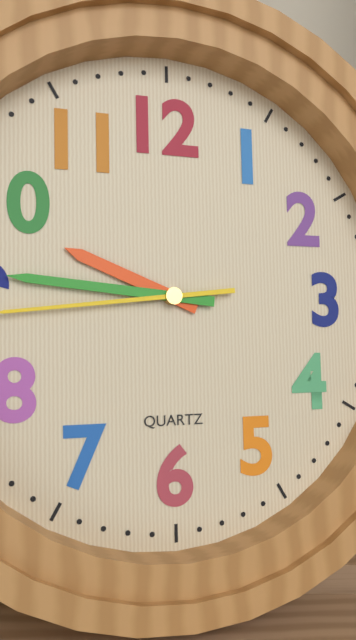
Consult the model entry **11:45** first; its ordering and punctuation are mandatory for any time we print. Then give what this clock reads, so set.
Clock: **9:46**
